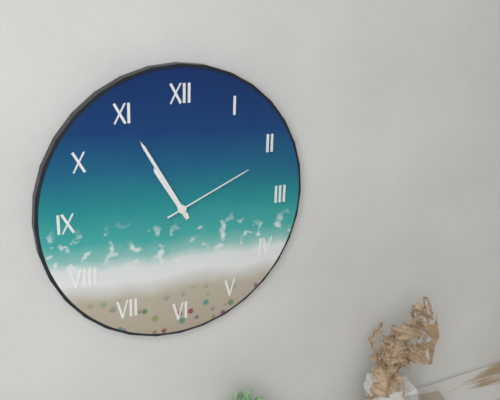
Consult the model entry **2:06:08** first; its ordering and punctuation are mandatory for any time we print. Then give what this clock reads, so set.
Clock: **10:55:11**
